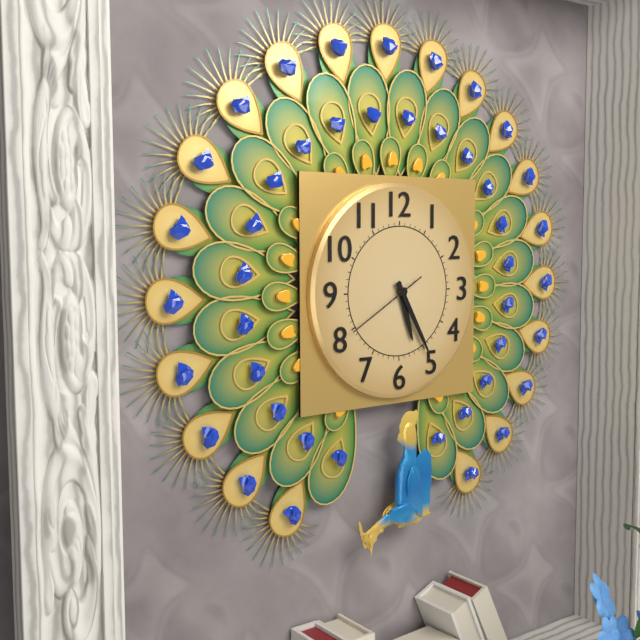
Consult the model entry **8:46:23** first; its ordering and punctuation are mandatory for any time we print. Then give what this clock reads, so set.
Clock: **5:25:40**
